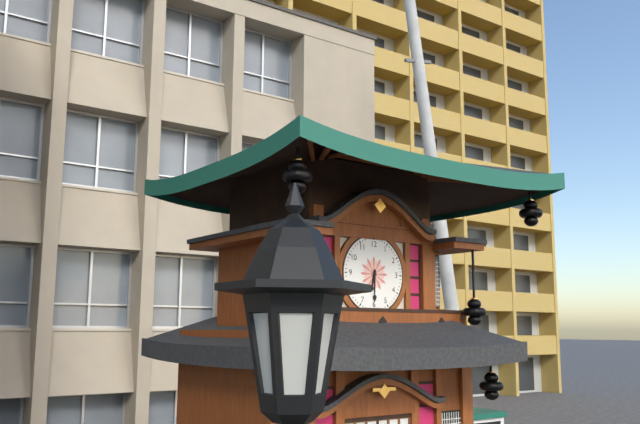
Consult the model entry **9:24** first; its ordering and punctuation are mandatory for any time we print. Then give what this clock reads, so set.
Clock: **6:30**
